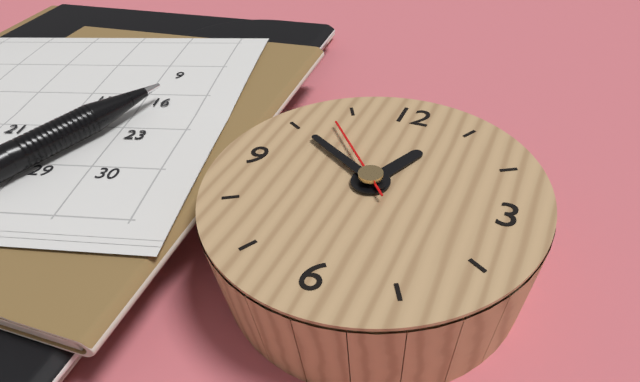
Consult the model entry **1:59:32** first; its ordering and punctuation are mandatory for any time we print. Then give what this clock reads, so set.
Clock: **12:50:53**
